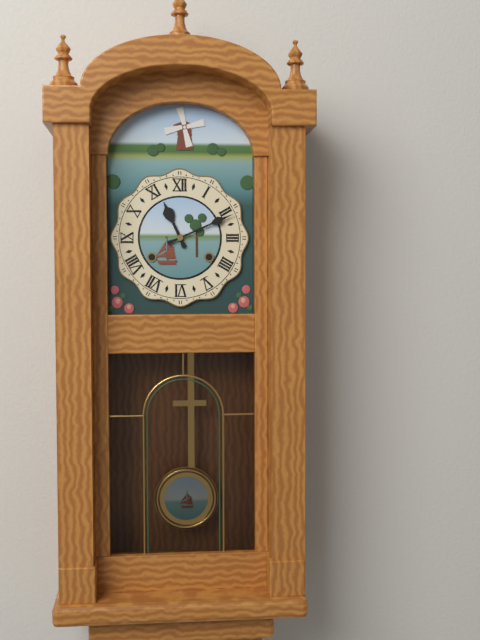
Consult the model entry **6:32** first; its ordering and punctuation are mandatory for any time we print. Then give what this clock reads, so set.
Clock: **11:11**
